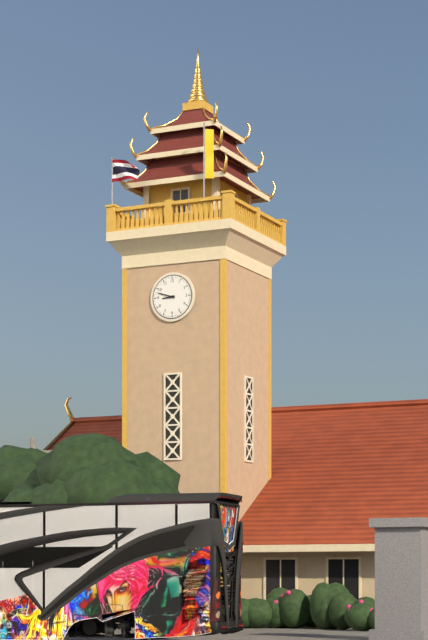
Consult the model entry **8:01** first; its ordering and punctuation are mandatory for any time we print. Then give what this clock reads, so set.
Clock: **8:48**
